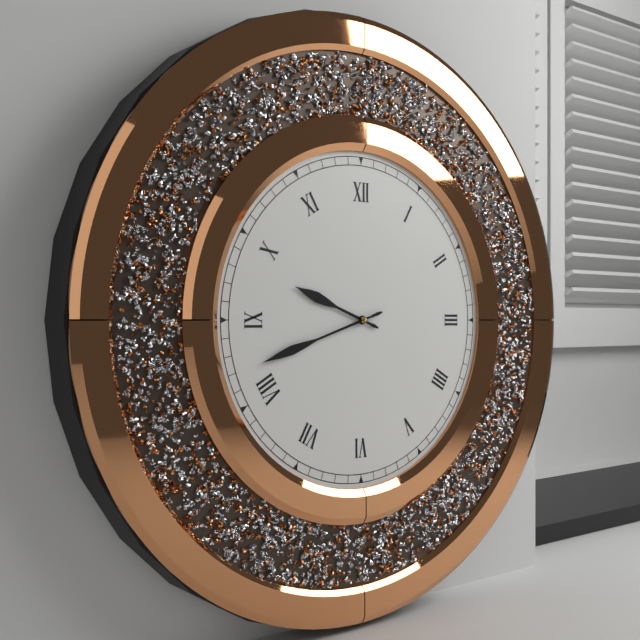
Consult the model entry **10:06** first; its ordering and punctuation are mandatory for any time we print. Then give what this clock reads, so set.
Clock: **9:42**
